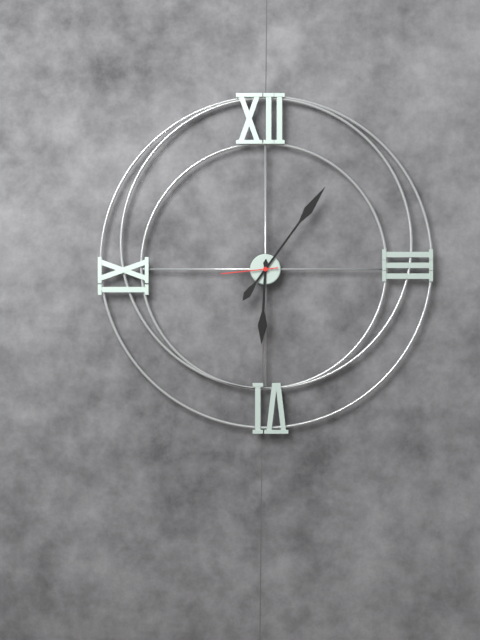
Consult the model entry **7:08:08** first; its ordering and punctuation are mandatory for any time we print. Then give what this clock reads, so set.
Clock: **6:06:44**
